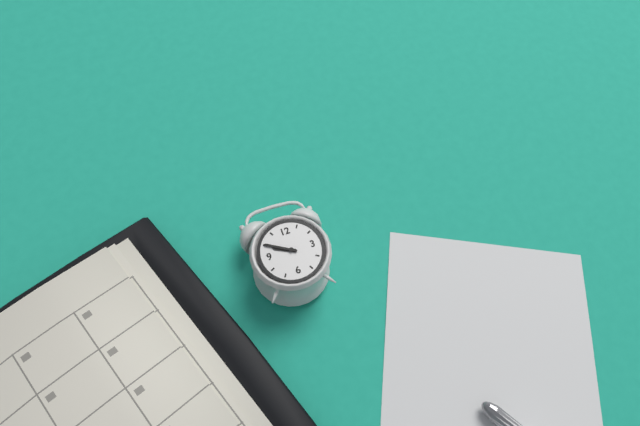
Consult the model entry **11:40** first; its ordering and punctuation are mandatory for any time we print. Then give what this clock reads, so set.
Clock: **9:50**
